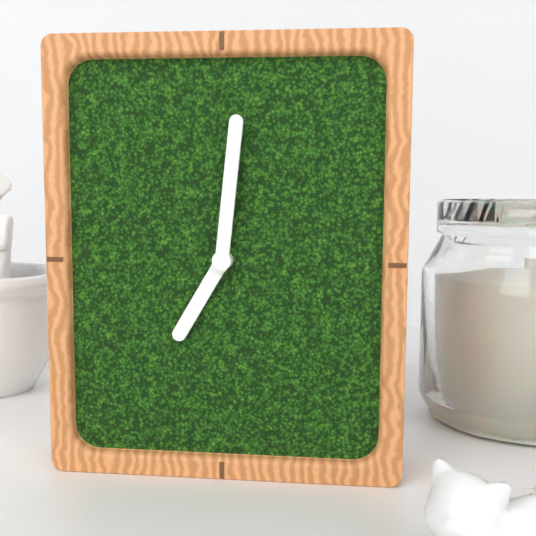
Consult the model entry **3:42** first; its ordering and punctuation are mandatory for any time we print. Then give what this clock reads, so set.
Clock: **7:01**
